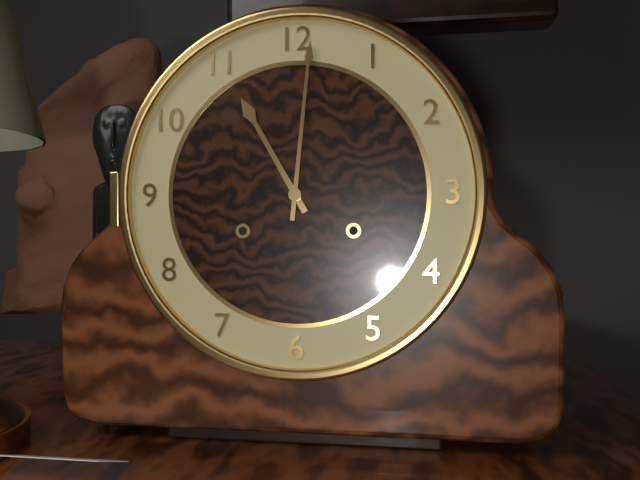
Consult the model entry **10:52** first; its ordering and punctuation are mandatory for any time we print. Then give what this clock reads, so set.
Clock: **11:01**
